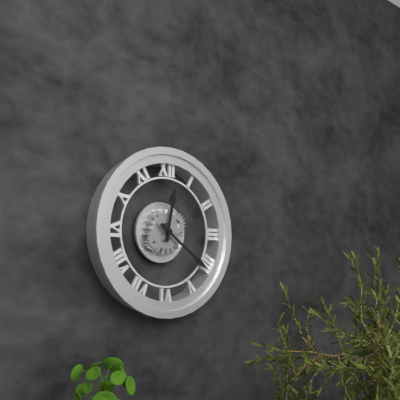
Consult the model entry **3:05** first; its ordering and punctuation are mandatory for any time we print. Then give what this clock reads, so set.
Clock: **12:21**
